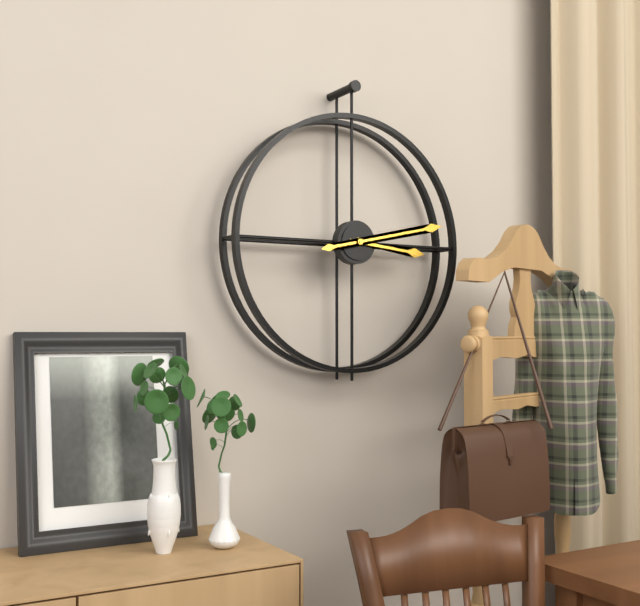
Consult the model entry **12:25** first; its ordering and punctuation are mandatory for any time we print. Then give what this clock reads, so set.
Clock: **3:13**
